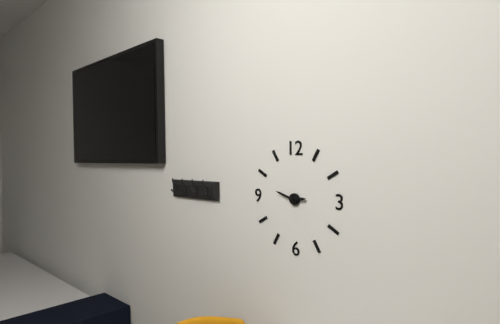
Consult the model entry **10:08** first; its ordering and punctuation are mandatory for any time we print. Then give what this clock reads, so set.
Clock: **2:48**
